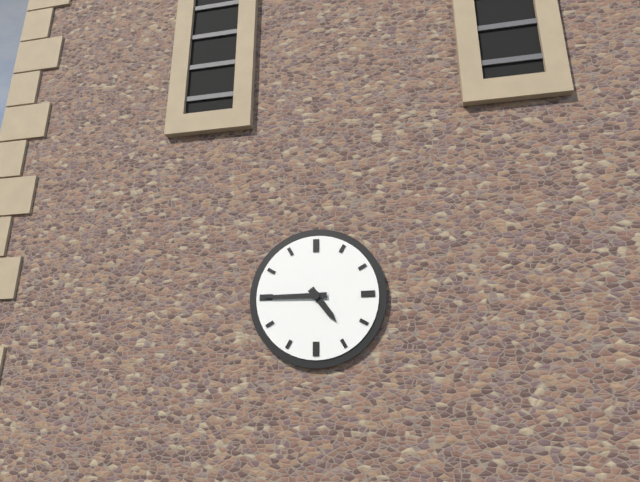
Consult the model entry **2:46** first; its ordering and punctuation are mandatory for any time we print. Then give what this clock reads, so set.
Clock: **4:45**
